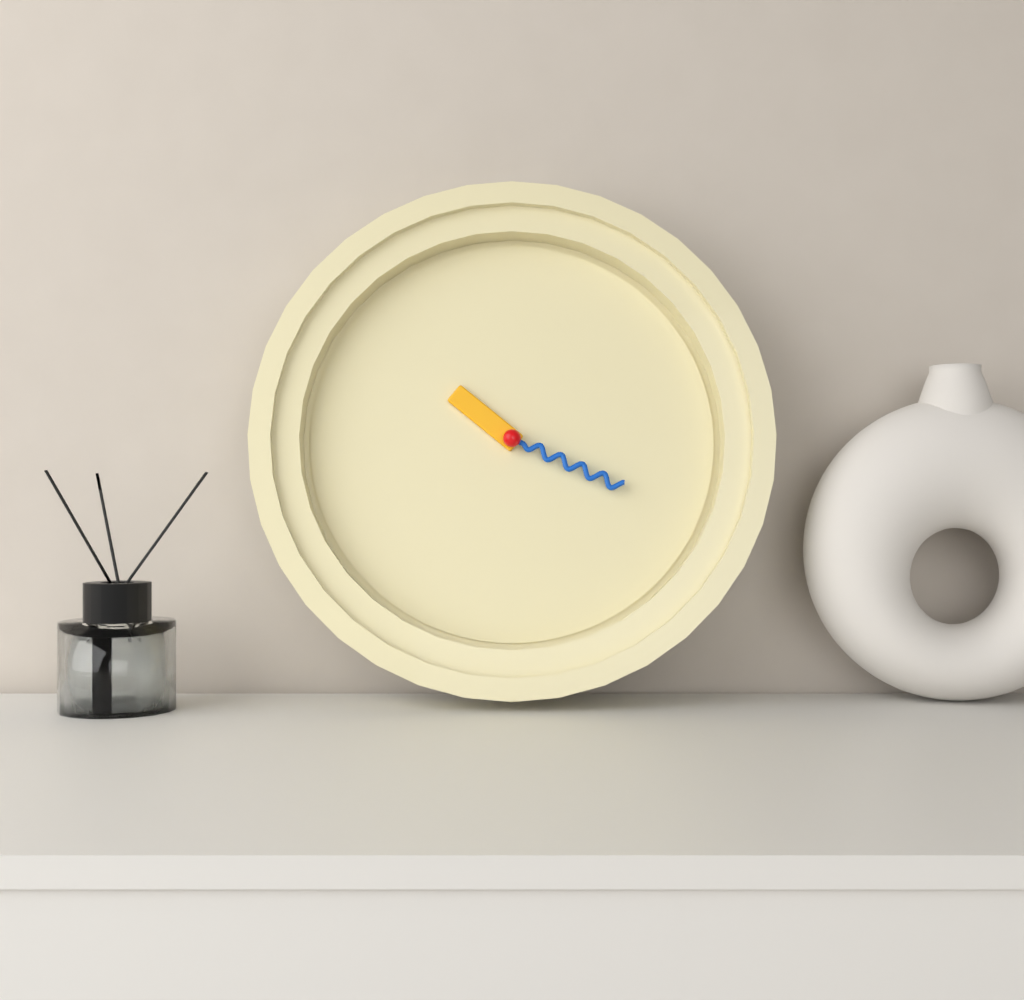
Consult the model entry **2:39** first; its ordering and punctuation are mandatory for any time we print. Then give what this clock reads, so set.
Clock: **10:19**
